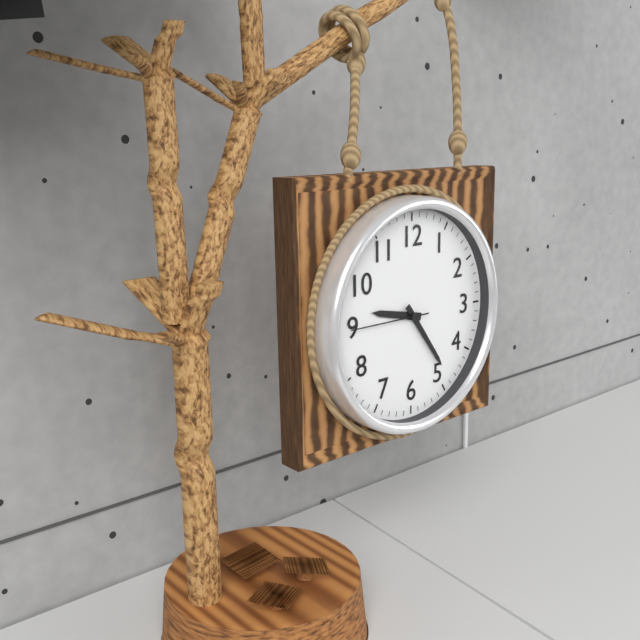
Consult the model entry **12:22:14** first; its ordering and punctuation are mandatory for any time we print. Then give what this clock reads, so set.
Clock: **9:24:45**
